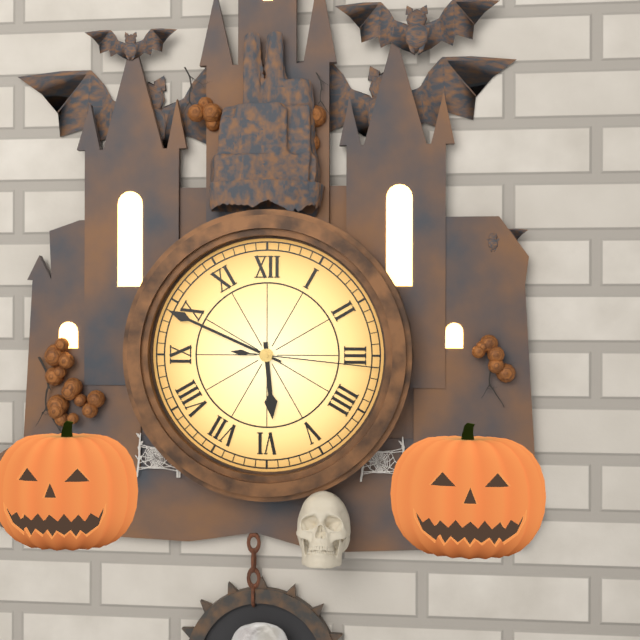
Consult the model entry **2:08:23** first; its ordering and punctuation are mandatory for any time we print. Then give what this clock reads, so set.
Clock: **5:49:16**
